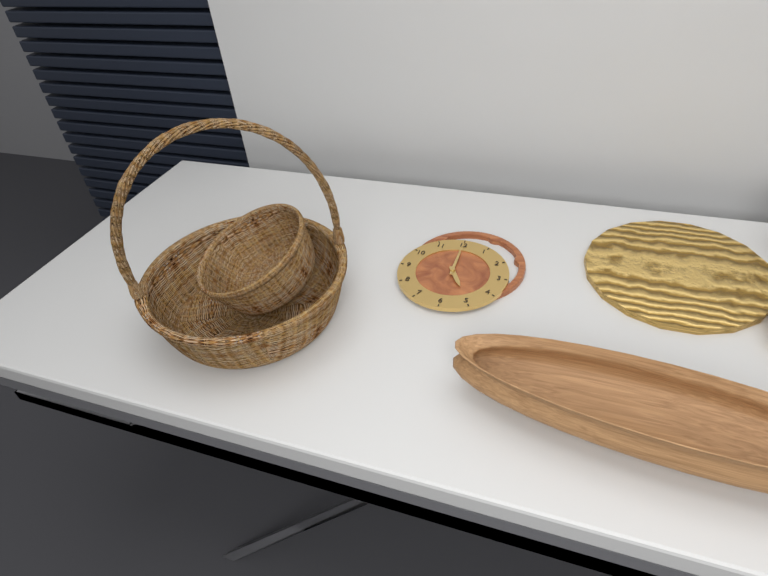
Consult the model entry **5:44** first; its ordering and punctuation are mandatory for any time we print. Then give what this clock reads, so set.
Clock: **5:00**
